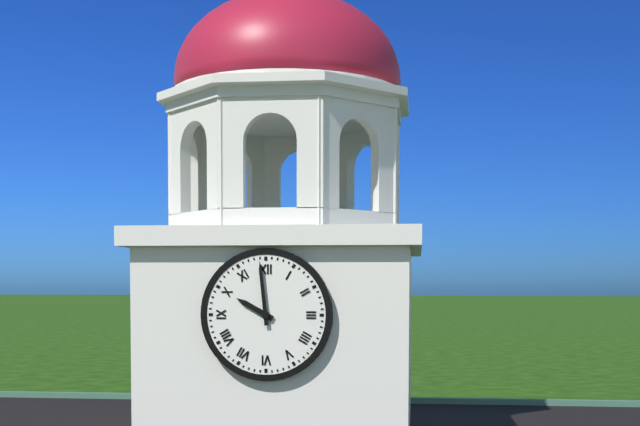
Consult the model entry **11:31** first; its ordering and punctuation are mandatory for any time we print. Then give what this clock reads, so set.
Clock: **9:59**
